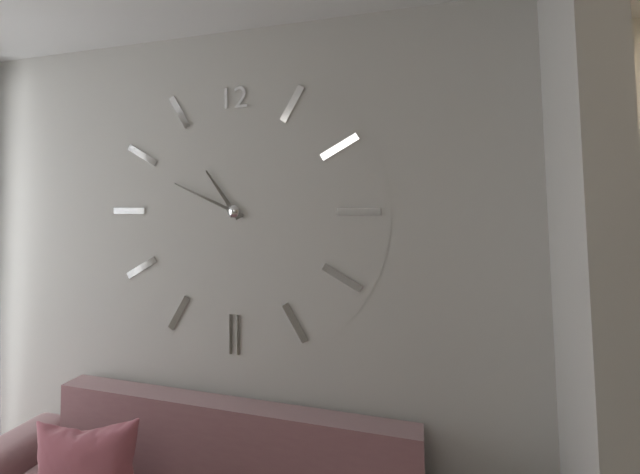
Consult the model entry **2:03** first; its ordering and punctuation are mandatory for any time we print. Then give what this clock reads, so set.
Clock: **10:49**
